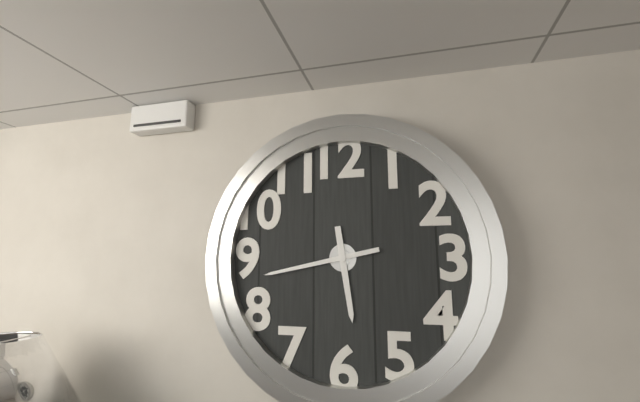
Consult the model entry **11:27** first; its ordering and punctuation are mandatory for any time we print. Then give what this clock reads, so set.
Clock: **5:43**
